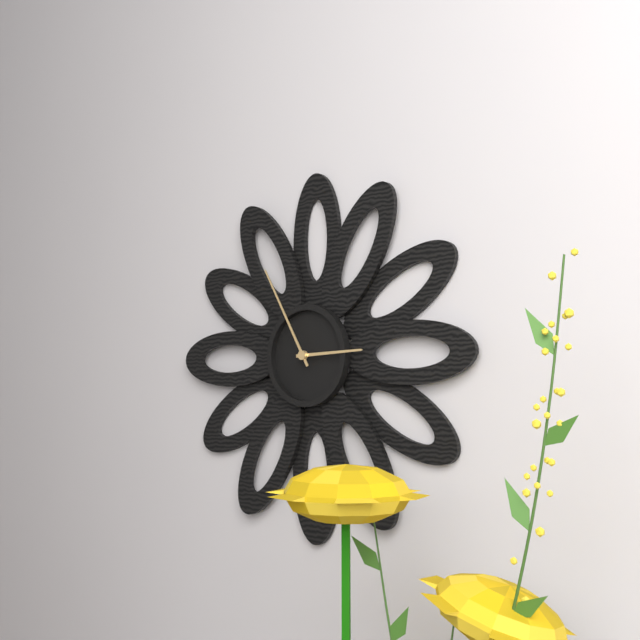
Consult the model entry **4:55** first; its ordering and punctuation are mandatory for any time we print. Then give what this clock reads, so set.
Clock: **2:55**
